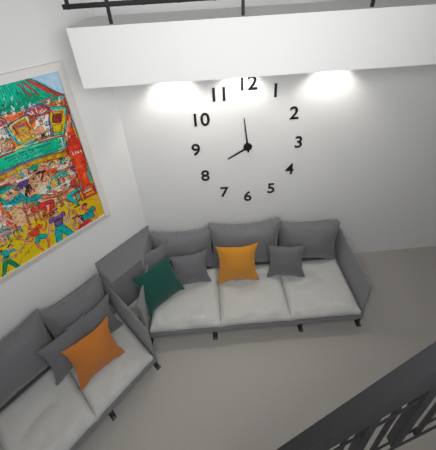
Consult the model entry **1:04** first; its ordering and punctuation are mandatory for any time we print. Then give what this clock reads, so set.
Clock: **7:59**
